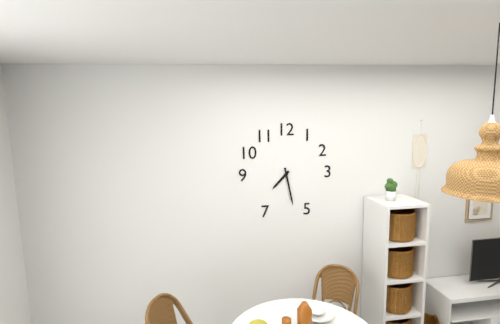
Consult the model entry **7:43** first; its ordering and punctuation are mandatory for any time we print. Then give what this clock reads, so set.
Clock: **7:28**
